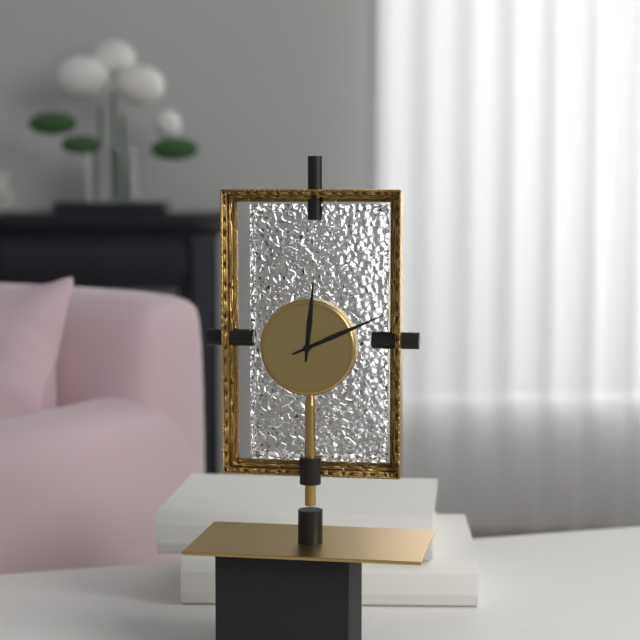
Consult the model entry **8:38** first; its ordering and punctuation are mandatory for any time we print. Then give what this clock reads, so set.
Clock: **12:11**
